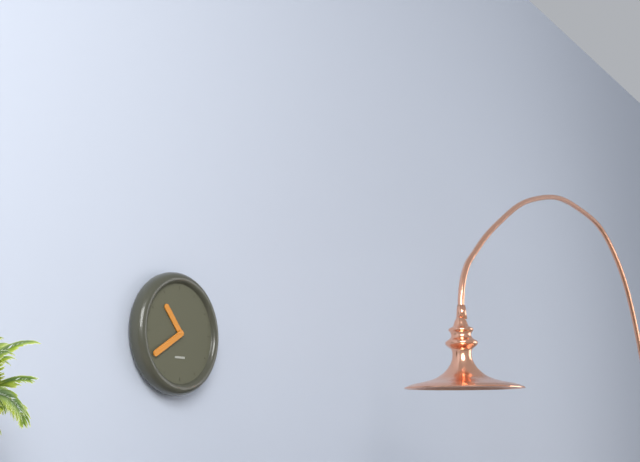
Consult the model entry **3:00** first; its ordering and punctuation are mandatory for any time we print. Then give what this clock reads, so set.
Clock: **10:40**
